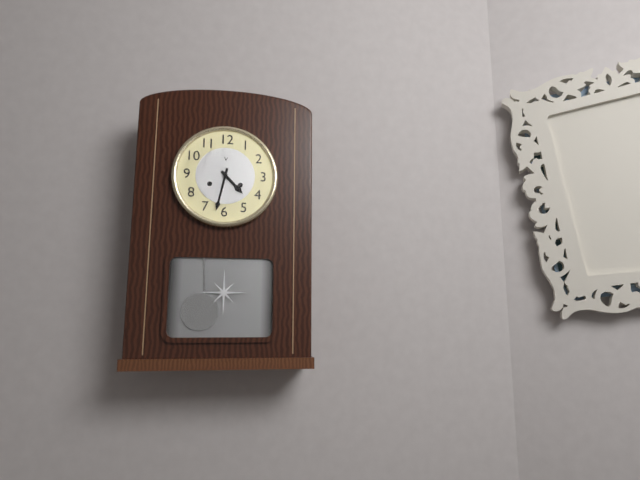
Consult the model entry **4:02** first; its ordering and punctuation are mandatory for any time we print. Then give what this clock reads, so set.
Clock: **4:32**
